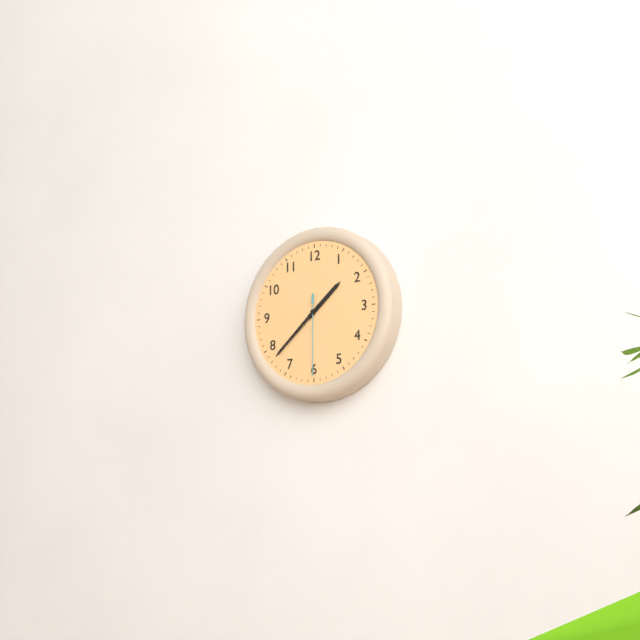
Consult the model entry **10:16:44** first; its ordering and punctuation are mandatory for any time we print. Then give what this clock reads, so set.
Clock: **1:38:30**
